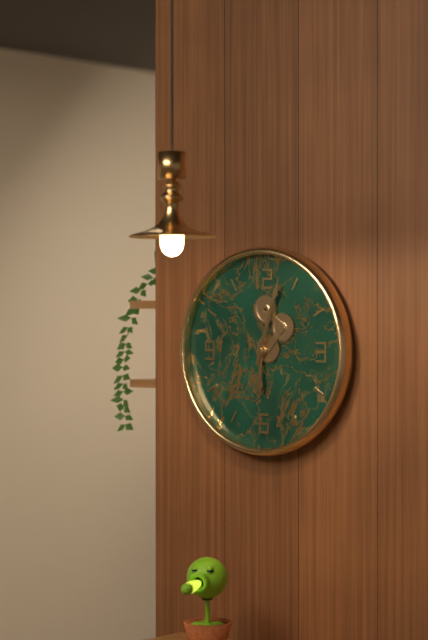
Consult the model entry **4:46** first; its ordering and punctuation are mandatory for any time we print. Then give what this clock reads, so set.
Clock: **6:03**
